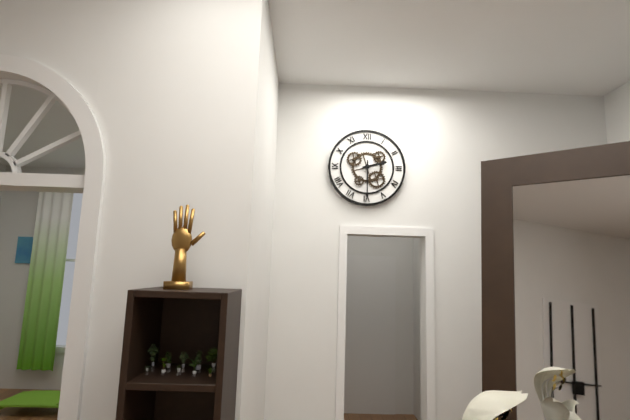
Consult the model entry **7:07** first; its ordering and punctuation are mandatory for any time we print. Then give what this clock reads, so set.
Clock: **2:30**
